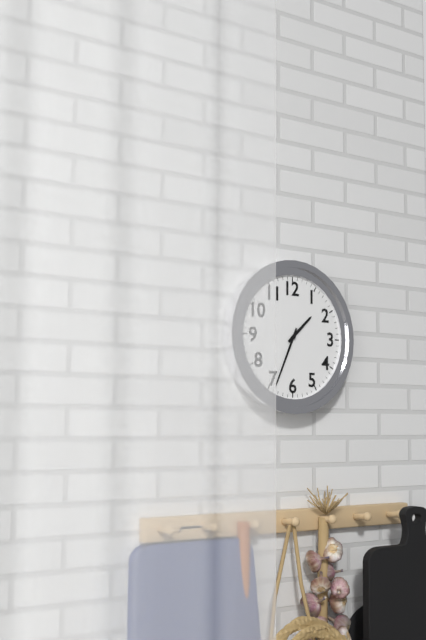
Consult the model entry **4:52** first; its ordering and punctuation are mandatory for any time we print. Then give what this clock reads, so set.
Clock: **1:34**
